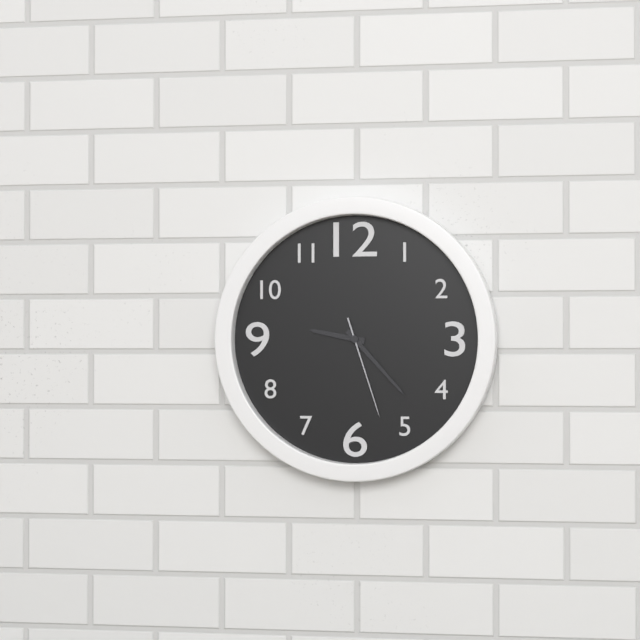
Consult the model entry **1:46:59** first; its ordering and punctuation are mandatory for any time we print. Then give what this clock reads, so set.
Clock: **9:23:27**
